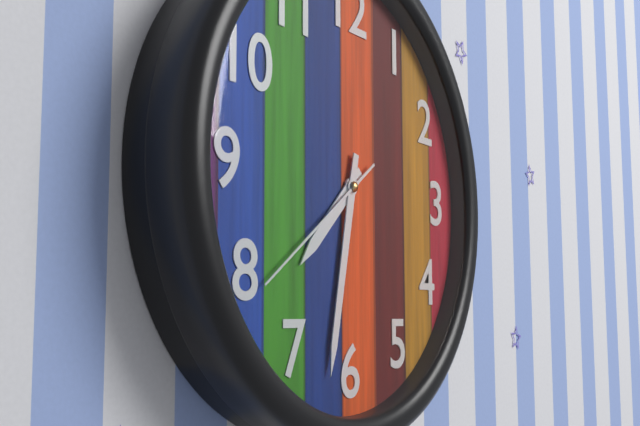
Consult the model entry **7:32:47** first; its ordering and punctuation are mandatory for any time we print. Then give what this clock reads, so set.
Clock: **7:32:39**
